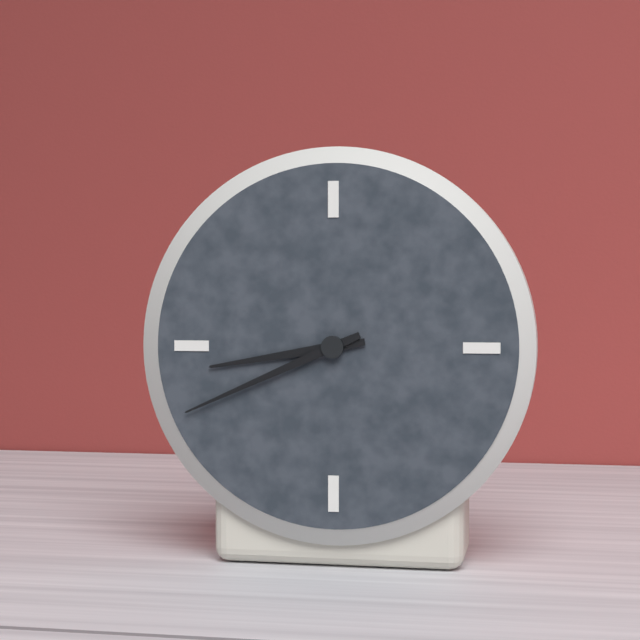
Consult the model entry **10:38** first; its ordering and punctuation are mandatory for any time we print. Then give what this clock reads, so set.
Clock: **8:41**
